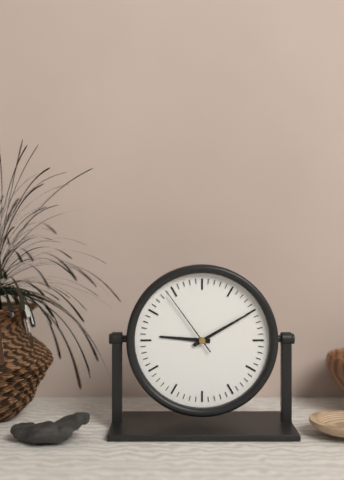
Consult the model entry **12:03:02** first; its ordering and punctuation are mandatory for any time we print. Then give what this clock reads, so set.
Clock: **9:10:54**
